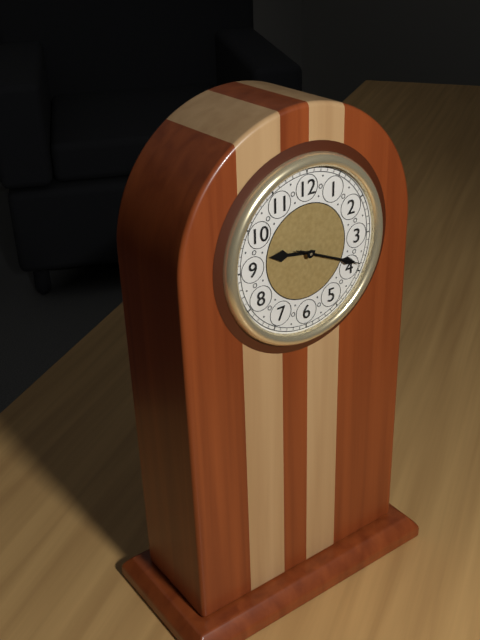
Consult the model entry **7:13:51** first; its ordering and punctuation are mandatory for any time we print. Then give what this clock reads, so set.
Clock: **9:19:19**
